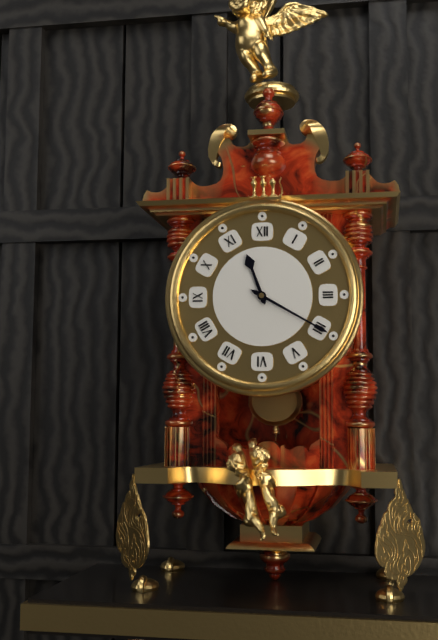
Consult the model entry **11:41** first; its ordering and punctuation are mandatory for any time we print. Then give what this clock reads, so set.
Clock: **11:20**
